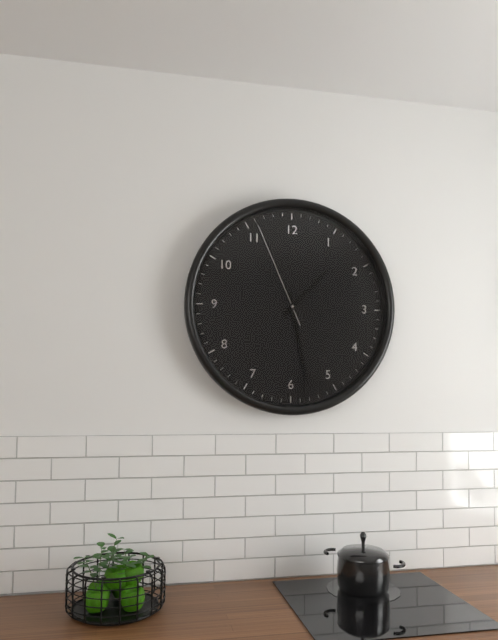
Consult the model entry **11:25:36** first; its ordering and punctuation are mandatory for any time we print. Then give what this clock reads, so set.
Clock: **1:28:56**
